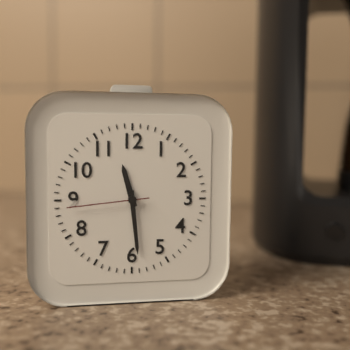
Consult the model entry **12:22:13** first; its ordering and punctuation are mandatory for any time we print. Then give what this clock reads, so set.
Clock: **11:29:44**
